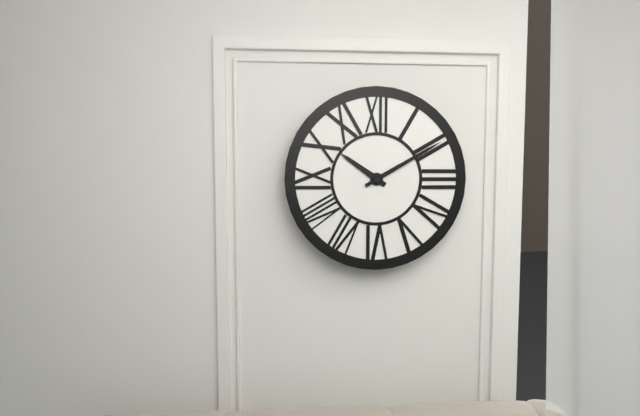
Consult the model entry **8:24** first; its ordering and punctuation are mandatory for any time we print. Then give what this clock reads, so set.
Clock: **10:10**
